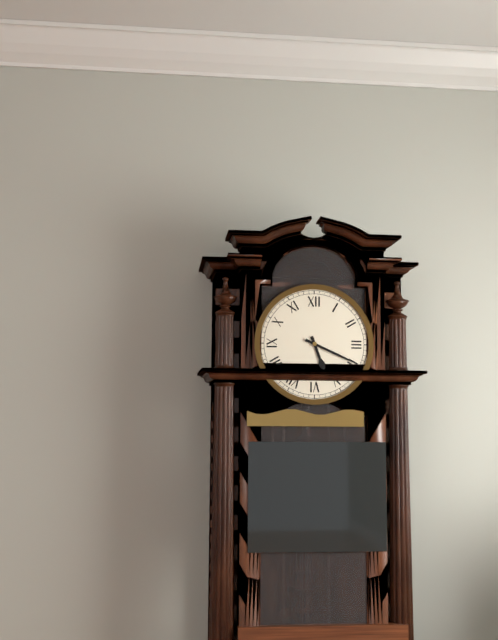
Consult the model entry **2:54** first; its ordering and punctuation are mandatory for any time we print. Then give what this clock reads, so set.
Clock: **5:19**
